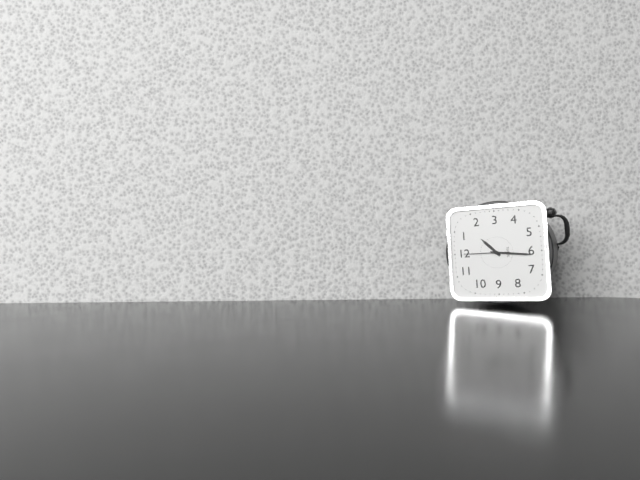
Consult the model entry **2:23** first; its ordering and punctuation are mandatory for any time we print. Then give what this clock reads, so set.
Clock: **1:31**
